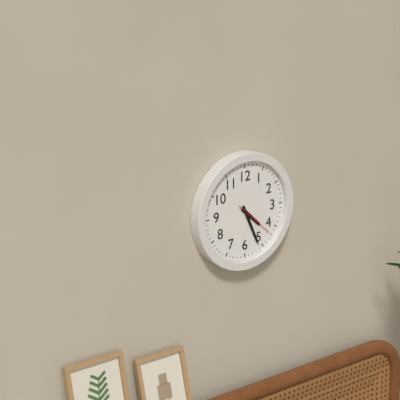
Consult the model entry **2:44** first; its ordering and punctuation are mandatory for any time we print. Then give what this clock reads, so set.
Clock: **4:26**
